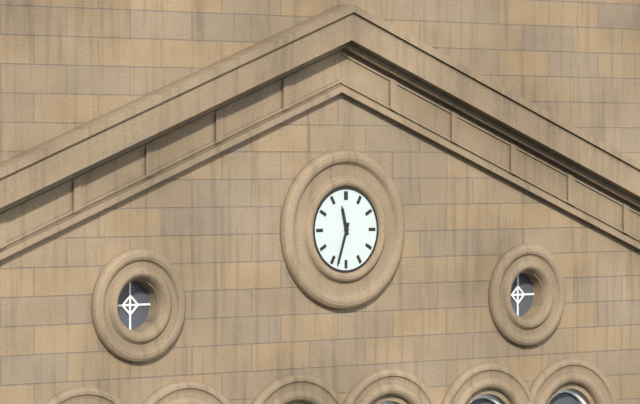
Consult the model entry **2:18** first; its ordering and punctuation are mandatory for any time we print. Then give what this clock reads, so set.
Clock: **11:33**
